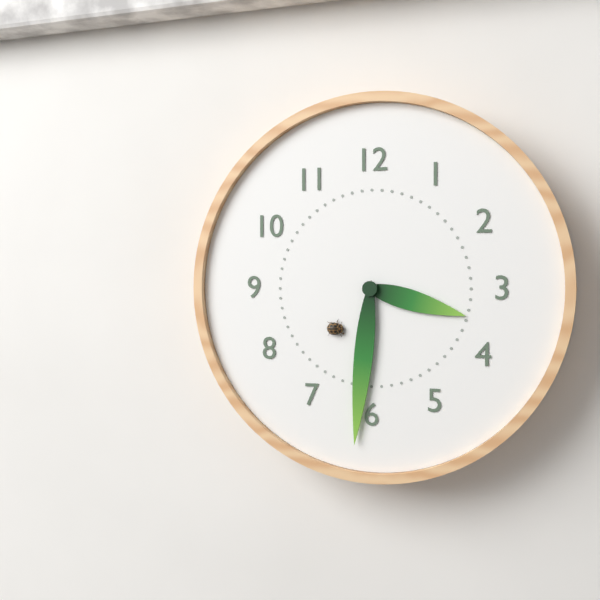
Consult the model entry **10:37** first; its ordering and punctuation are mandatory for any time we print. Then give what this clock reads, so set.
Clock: **3:31**
